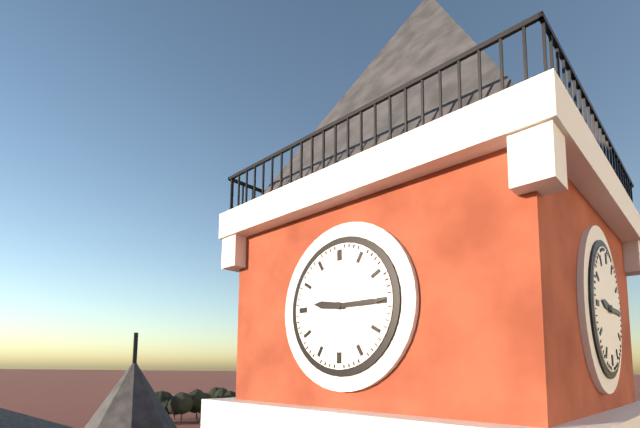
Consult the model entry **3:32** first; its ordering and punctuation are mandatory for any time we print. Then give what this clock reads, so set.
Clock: **9:15**
